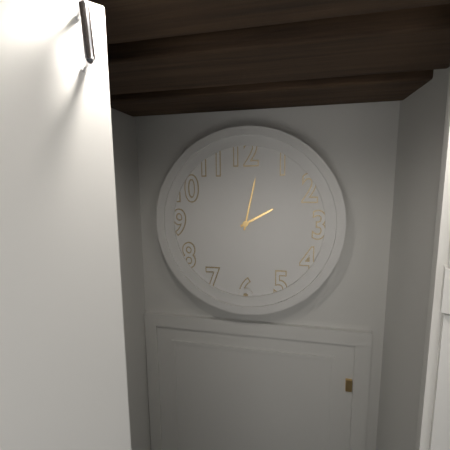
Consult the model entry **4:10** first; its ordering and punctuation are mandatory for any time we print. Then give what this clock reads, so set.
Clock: **2:02**
